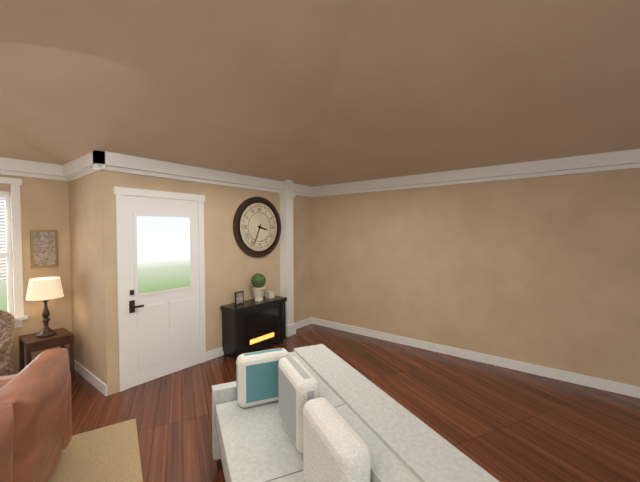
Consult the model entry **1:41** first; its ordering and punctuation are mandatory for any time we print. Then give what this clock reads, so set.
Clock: **3:34**
